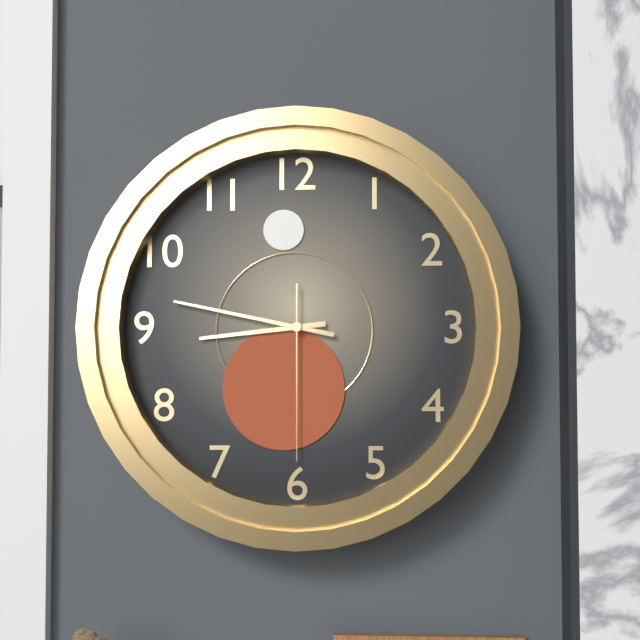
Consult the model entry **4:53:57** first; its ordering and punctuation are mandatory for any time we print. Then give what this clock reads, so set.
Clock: **8:47:30**
